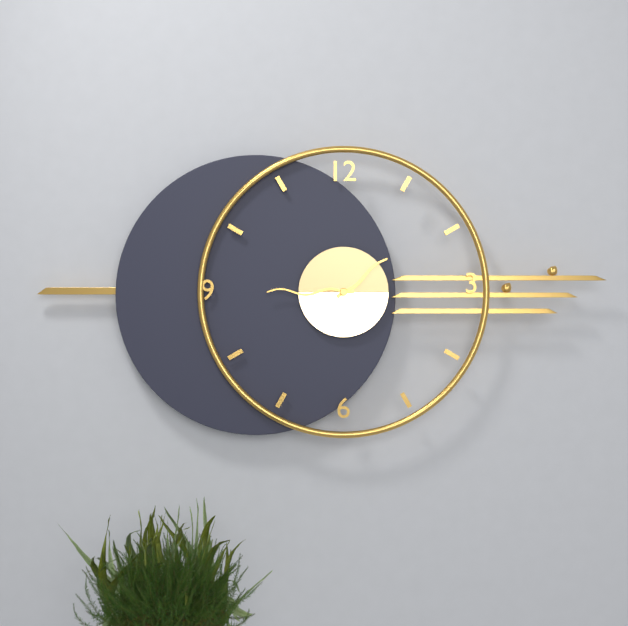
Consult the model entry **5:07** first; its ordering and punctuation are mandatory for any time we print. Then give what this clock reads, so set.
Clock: **1:45**
